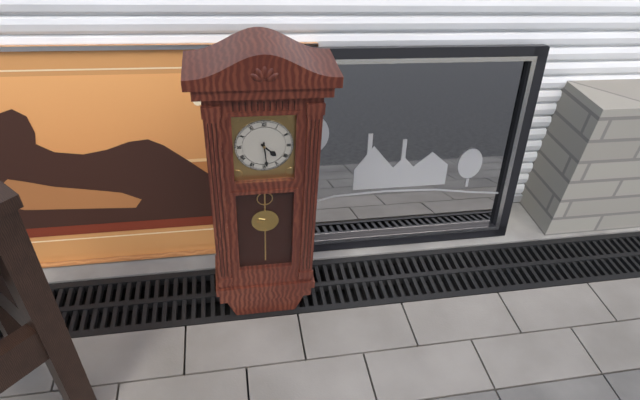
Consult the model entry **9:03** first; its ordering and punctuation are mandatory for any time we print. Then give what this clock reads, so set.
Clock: **4:29**
